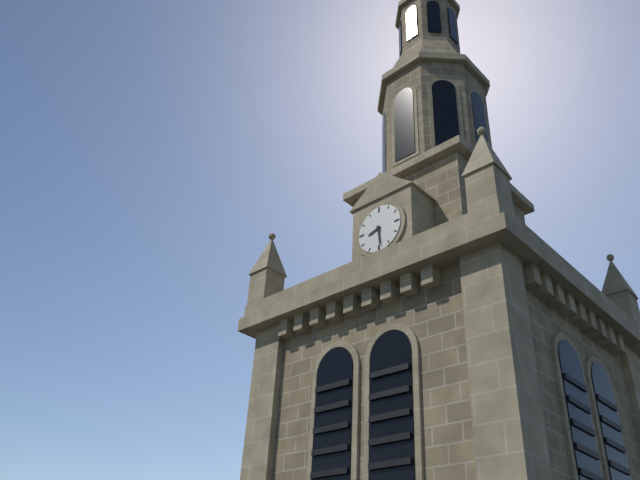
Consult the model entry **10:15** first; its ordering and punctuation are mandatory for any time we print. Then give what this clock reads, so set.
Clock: **8:29**
